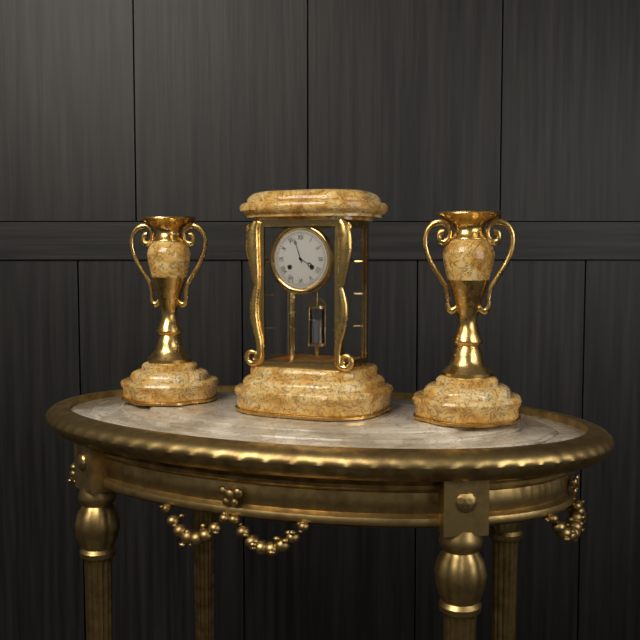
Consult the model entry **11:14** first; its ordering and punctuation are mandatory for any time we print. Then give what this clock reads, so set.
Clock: **3:57**
